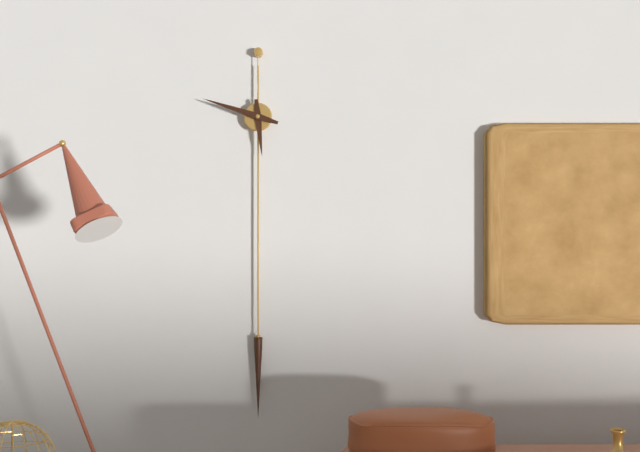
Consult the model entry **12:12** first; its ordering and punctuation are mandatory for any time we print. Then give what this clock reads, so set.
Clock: **5:48**
